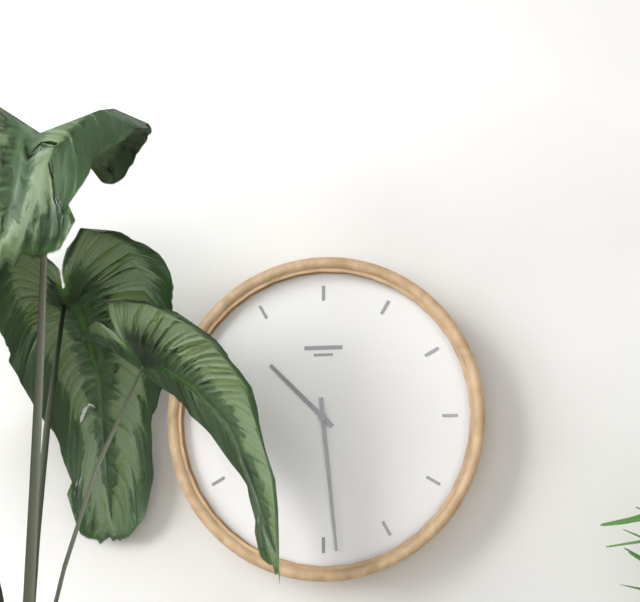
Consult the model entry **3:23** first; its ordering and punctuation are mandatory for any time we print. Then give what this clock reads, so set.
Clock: **10:29**
